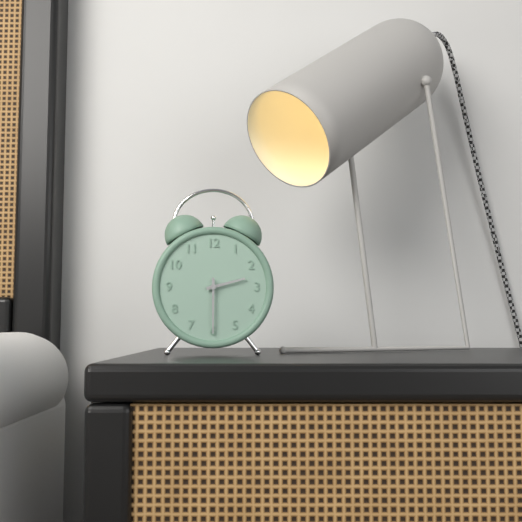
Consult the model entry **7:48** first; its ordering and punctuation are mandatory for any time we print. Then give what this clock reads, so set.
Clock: **2:30**
